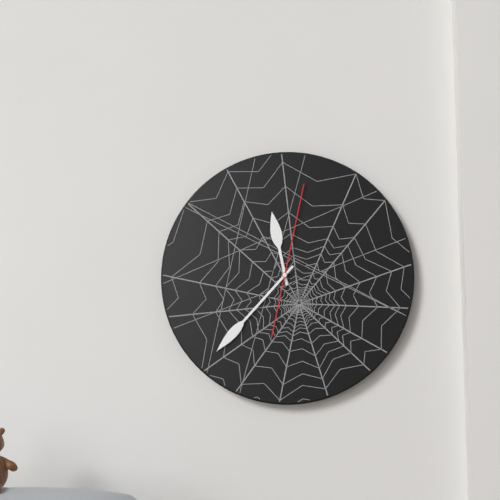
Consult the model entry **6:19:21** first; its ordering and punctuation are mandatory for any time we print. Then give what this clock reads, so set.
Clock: **11:37:02**
